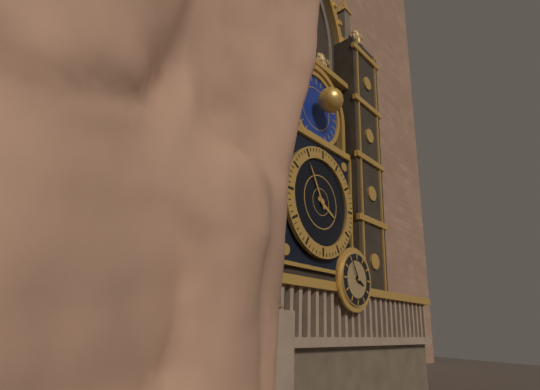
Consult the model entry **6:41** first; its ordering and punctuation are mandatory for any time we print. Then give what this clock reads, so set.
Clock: **3:55**
